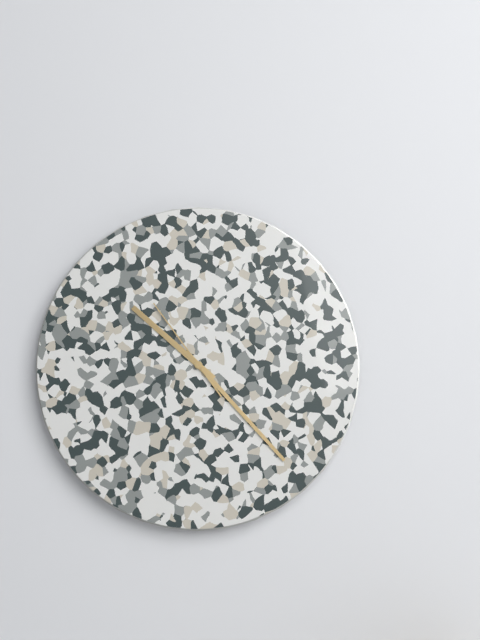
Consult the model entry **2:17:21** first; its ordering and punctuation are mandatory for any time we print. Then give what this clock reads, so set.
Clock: **10:23:54**
